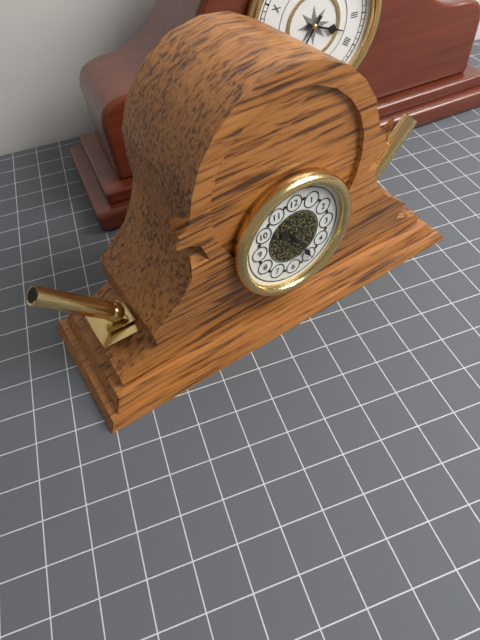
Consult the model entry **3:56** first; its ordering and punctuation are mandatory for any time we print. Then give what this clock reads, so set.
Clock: **10:25**
